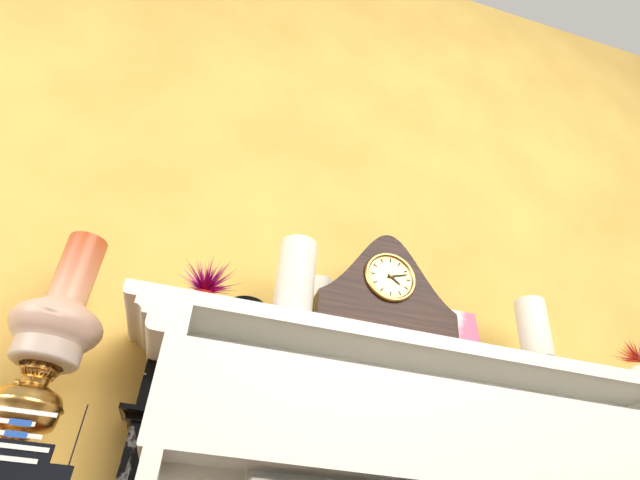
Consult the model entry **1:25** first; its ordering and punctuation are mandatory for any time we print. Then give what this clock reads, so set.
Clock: **4:12**
